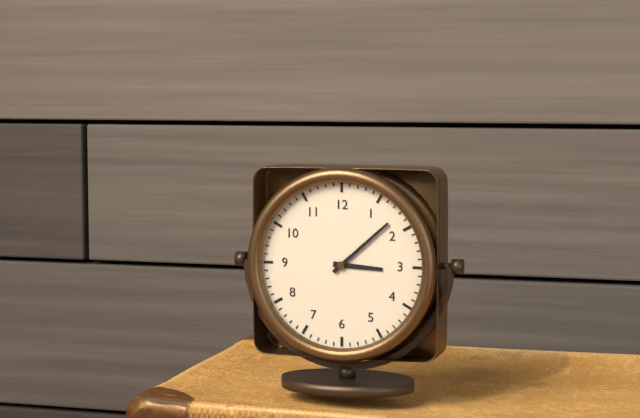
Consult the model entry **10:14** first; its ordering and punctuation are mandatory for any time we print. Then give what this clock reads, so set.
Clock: **3:08**
